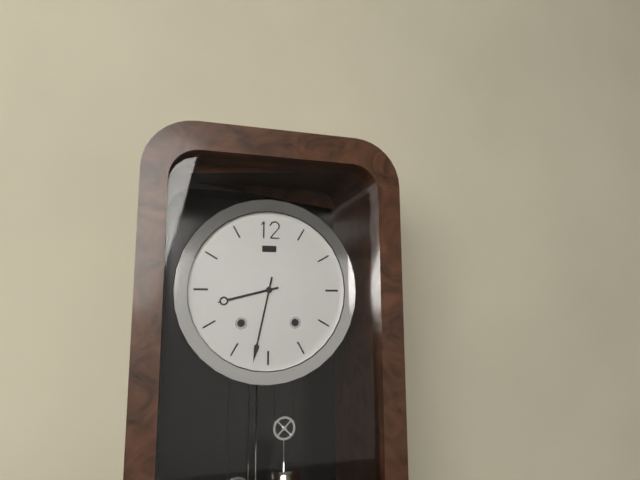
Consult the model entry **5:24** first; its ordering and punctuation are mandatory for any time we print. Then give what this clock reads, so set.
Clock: **8:32**
